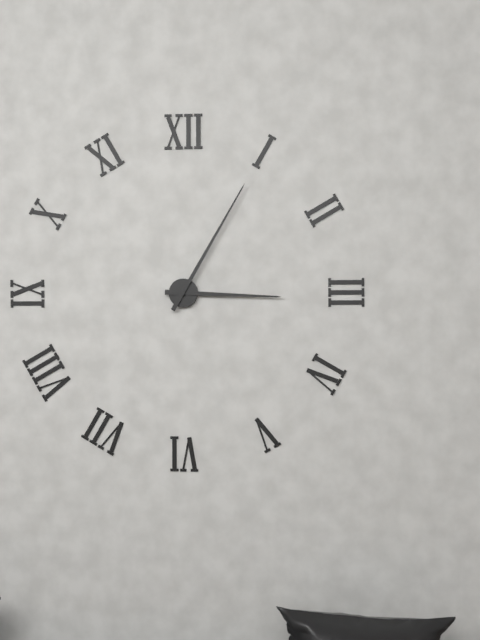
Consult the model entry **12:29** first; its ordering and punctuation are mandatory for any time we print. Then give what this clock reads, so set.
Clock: **3:05**
